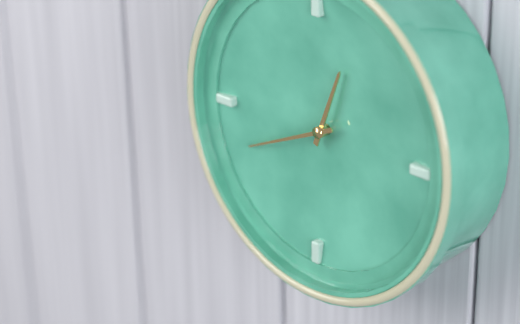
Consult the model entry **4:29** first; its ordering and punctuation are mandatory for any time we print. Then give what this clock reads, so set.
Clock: **12:41**
